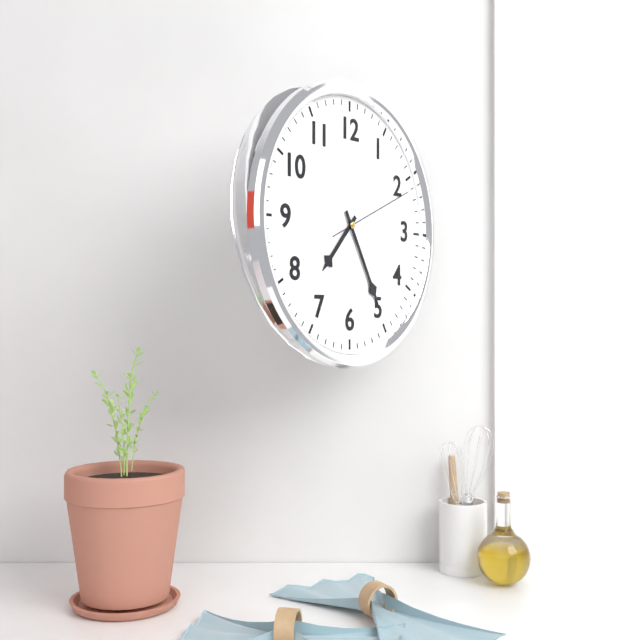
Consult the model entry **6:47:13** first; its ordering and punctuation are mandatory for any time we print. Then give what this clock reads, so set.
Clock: **7:25:11**
